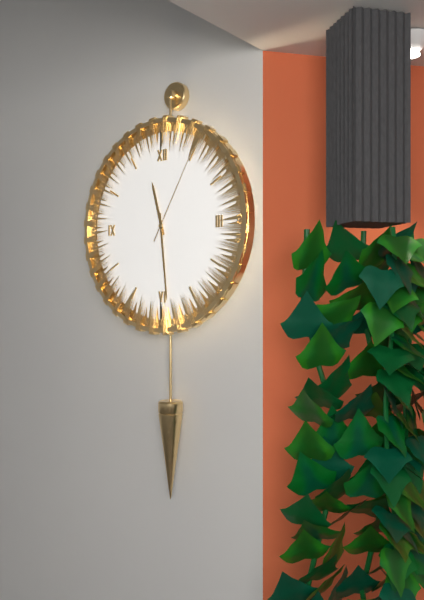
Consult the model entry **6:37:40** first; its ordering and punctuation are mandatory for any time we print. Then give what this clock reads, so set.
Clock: **11:29:05**
